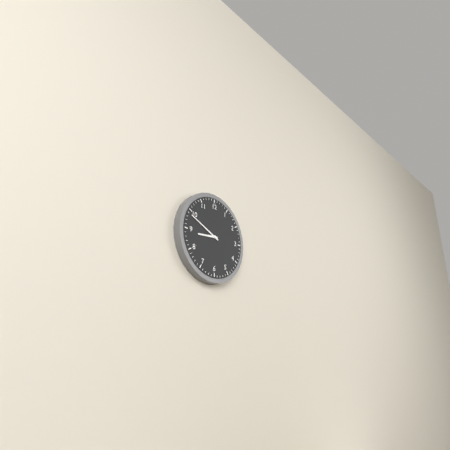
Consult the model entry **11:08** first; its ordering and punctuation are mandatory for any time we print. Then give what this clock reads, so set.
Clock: **8:49**
